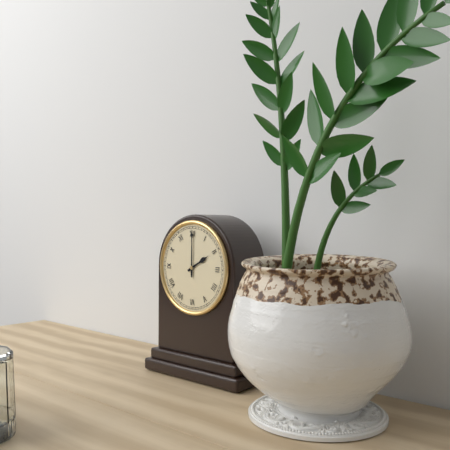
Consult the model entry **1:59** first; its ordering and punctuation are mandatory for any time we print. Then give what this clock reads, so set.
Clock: **2:00**
